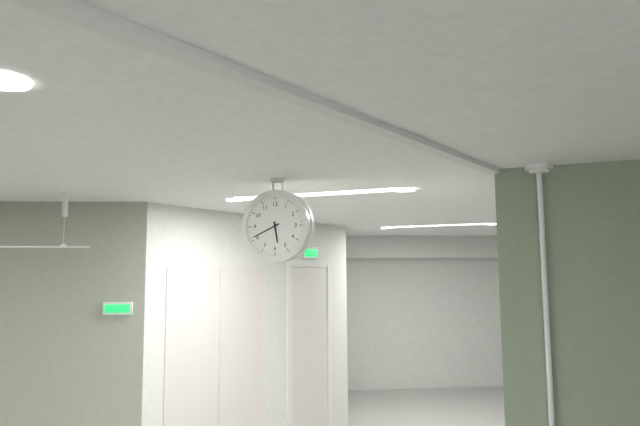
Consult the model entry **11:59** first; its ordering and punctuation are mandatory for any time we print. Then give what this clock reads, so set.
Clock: **5:41**
